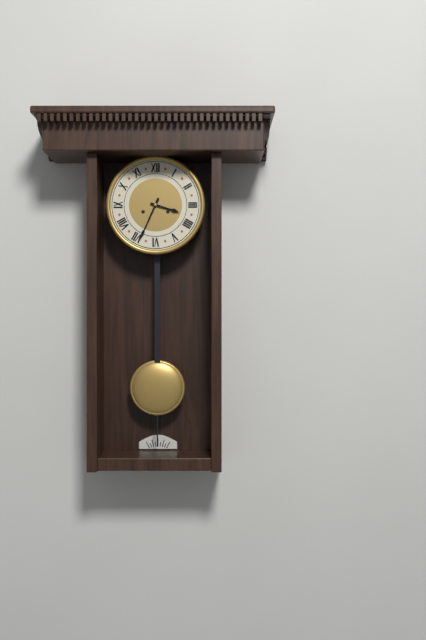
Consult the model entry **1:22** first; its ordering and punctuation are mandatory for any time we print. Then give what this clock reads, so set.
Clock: **3:34**
